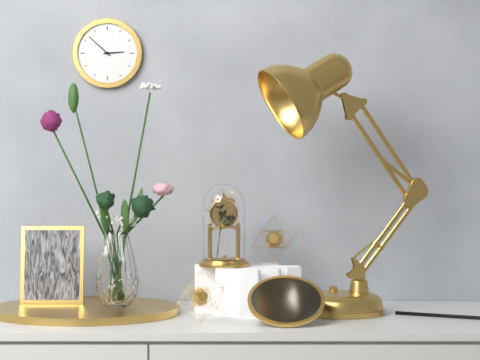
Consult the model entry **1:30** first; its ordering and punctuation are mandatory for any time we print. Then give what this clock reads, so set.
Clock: **2:52**
